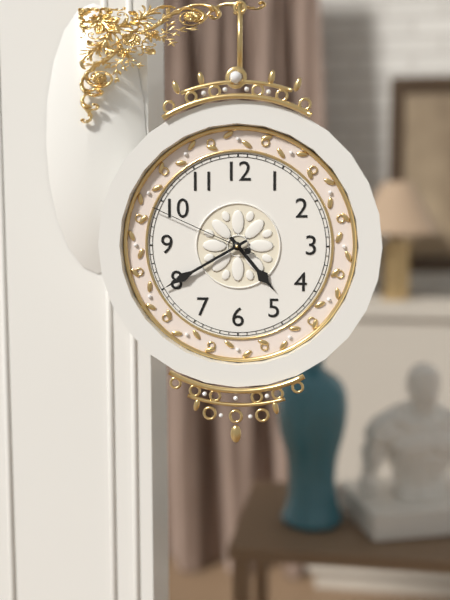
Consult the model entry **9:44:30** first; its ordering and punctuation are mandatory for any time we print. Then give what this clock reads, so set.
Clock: **4:40:49**
